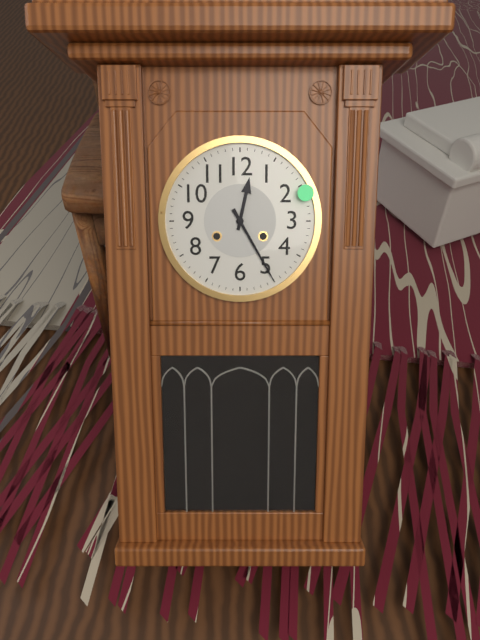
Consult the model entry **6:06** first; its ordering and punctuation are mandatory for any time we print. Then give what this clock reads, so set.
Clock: **12:25**
